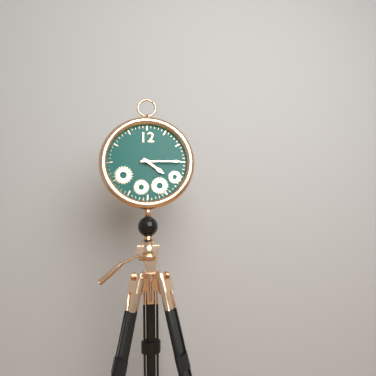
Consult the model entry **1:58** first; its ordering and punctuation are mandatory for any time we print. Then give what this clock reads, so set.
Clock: **4:15**
